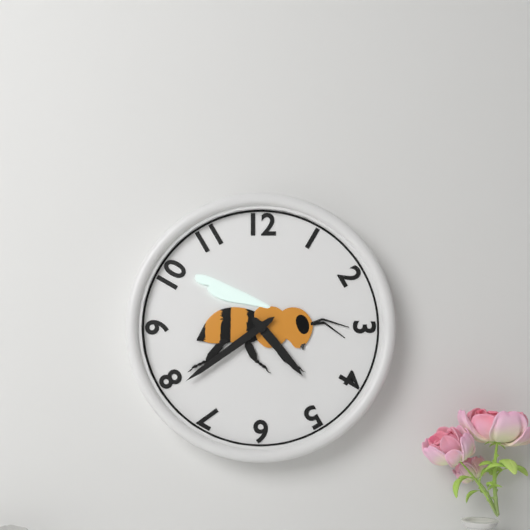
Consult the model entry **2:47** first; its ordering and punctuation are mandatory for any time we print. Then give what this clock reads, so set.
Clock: **4:39**
